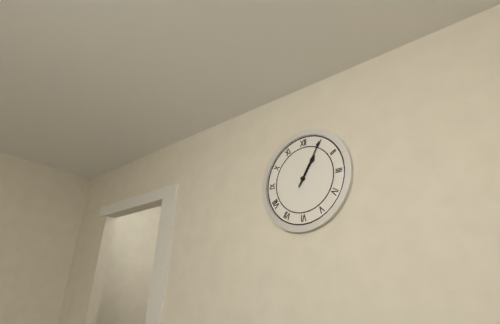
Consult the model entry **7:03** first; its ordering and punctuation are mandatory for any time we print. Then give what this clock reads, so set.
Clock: **1:05**
